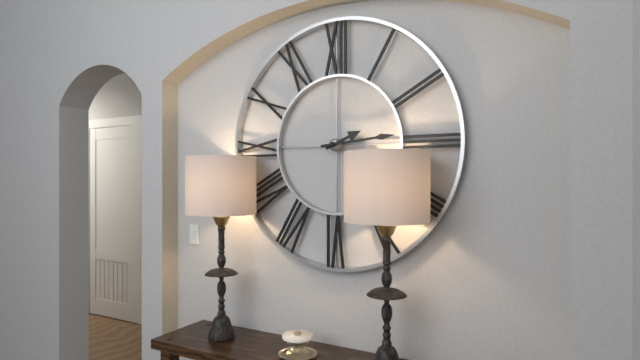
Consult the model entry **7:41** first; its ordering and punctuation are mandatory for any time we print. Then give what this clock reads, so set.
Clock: **2:14**
